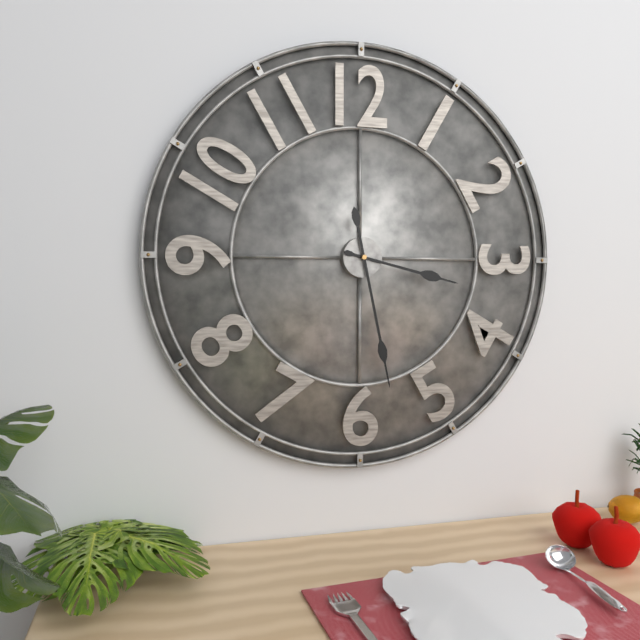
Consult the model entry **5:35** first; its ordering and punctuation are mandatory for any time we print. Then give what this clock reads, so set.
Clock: **3:28**
